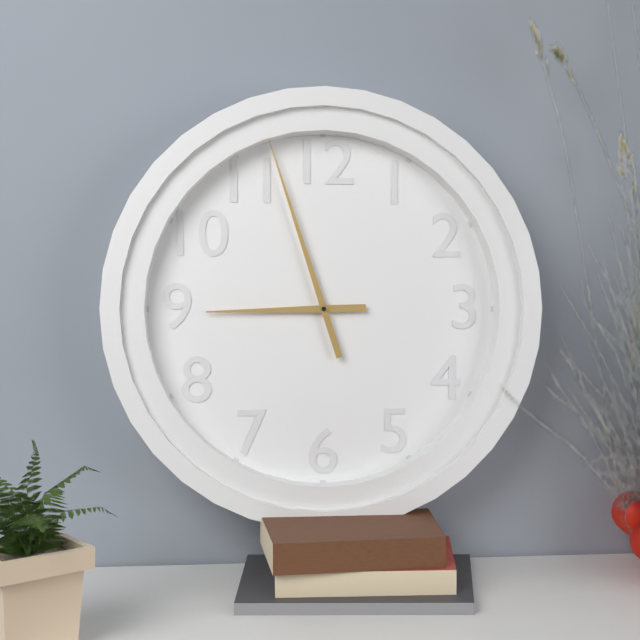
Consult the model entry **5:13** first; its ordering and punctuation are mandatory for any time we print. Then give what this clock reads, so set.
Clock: **8:57**
